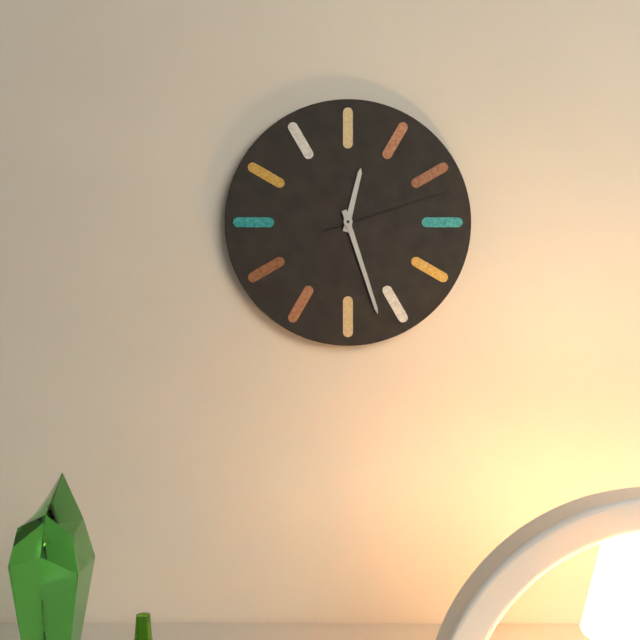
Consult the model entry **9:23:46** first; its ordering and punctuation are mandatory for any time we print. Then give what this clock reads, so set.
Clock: **12:27:12**
